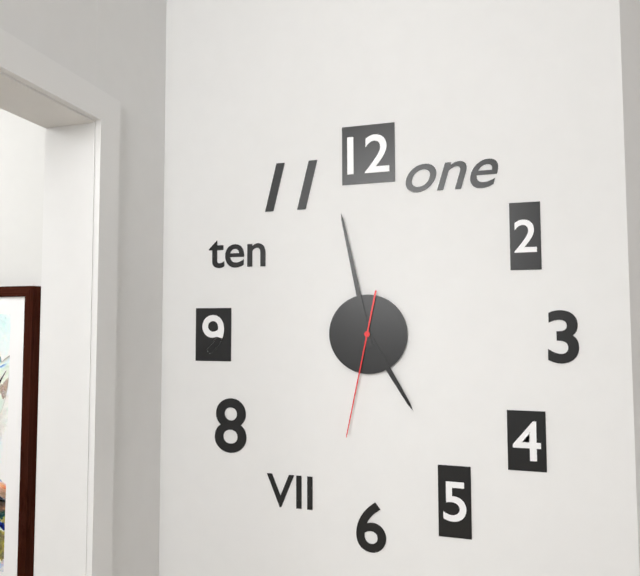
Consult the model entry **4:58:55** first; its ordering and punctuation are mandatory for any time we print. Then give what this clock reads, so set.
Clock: **4:58:32**
